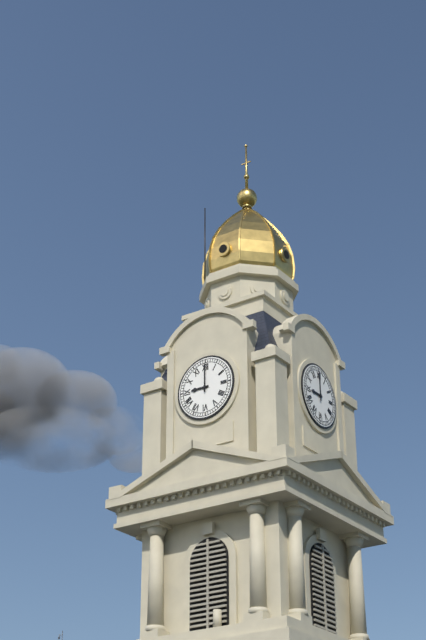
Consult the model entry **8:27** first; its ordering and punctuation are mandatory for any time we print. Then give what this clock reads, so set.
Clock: **9:00**
